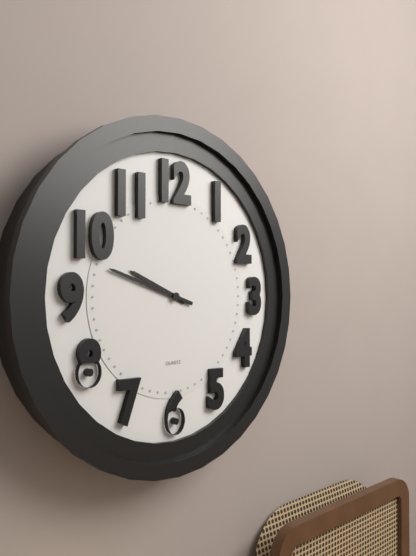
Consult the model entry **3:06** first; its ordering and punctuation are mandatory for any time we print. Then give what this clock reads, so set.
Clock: **9:48**
